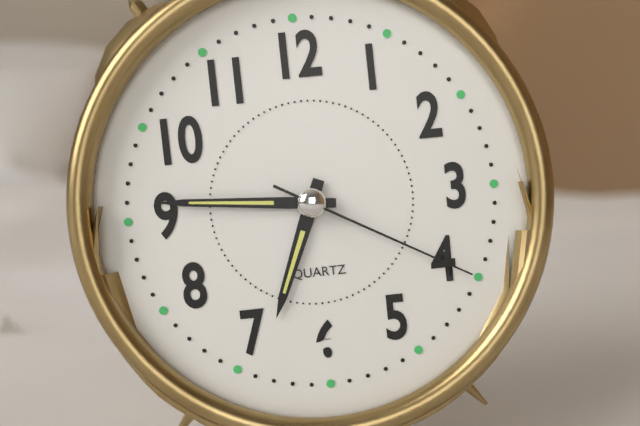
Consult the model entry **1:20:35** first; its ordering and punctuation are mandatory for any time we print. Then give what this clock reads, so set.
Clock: **6:46:20**
